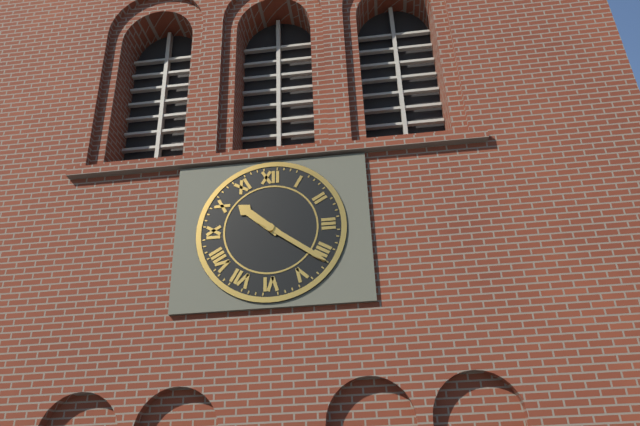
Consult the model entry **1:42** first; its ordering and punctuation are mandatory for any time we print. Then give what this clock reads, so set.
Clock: **10:21**
